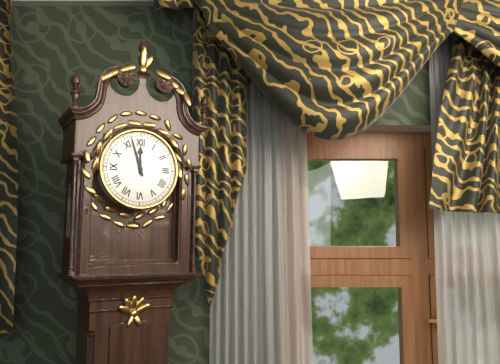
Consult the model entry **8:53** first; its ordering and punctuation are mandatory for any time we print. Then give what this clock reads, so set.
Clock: **11:57**
